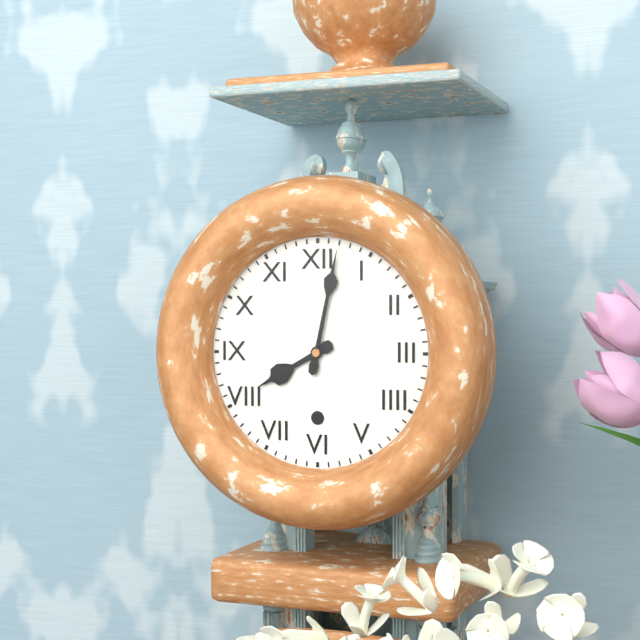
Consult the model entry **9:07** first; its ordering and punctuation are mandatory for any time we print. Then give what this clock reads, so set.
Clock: **8:02**
